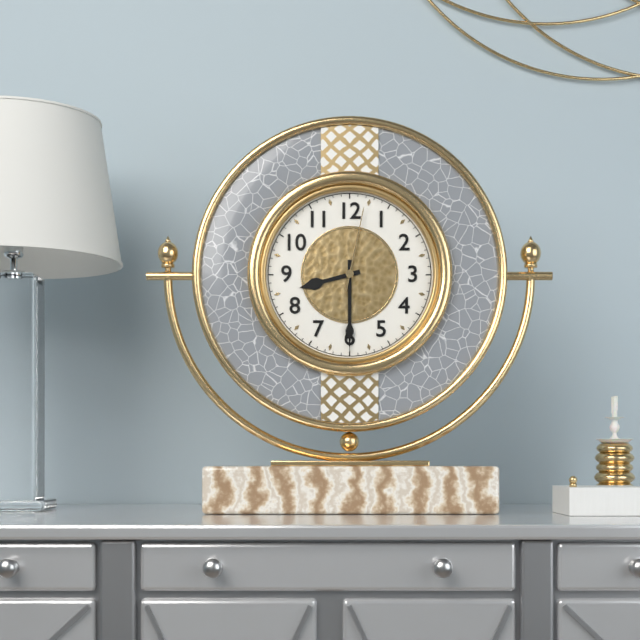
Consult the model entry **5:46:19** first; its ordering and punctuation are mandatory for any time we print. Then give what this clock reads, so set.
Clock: **8:30:02**
